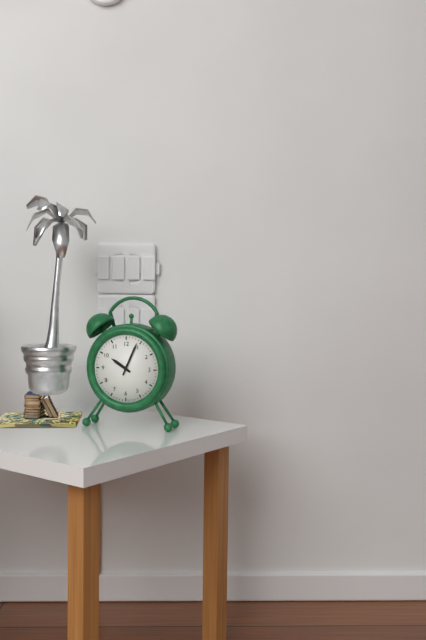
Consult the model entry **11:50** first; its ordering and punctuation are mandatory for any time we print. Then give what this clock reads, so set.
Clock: **10:04**
